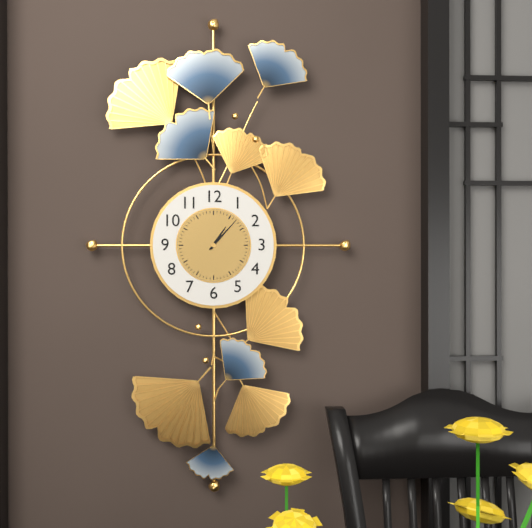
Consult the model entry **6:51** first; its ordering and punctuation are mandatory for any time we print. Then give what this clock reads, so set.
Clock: **1:07**
